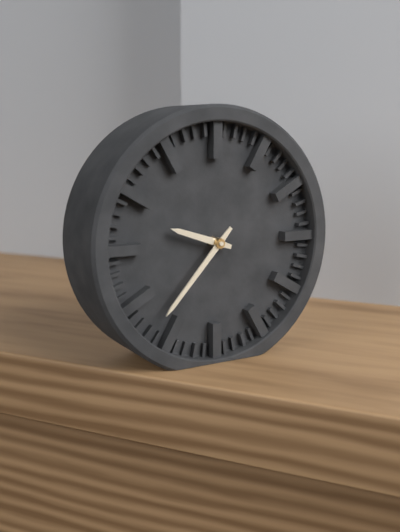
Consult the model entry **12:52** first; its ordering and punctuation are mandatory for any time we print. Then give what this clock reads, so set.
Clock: **9:37**
